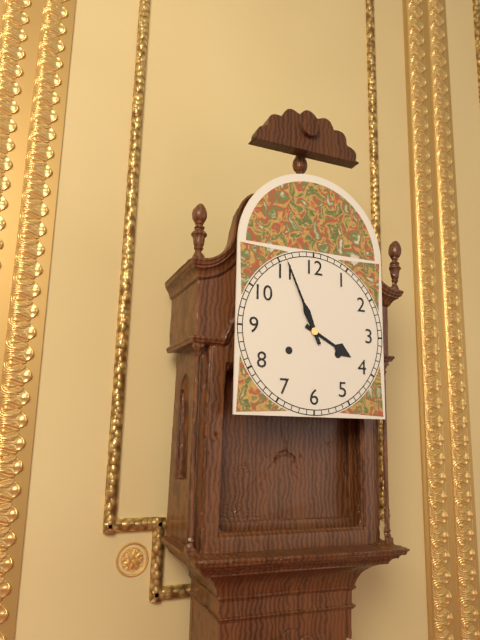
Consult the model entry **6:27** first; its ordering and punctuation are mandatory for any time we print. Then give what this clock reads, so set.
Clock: **3:56**
